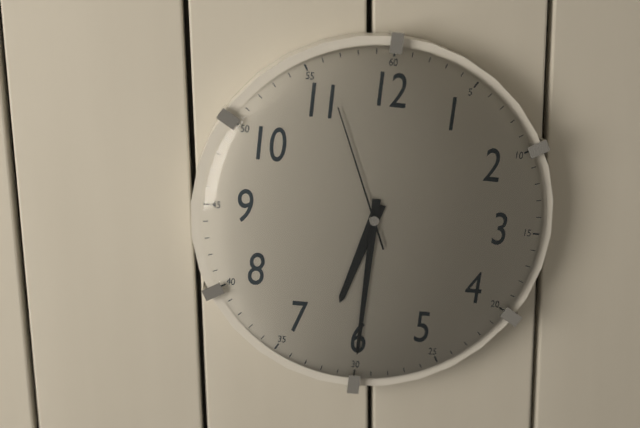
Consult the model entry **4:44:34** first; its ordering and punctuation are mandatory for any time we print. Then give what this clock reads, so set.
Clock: **6:30:56**
